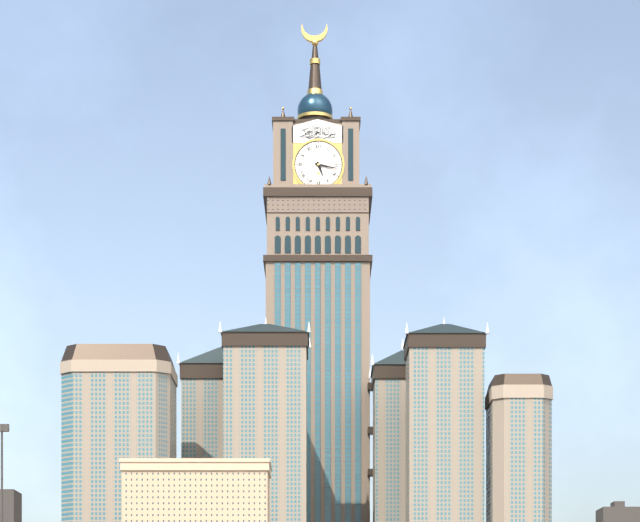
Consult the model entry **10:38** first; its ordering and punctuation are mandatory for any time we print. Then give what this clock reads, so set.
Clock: **5:17**
